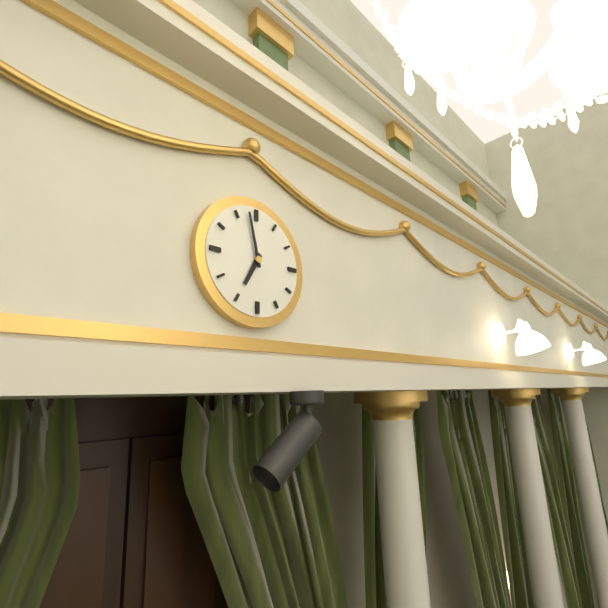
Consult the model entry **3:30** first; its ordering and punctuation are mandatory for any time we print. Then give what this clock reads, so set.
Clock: **6:58**
